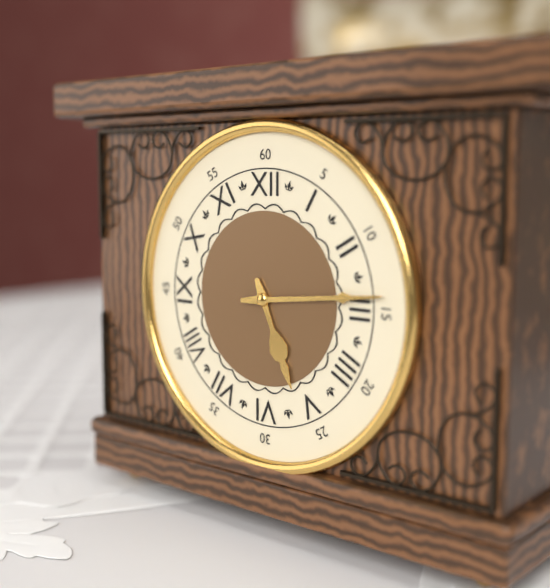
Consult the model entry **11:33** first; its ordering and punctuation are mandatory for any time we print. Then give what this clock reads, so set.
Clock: **5:14**
